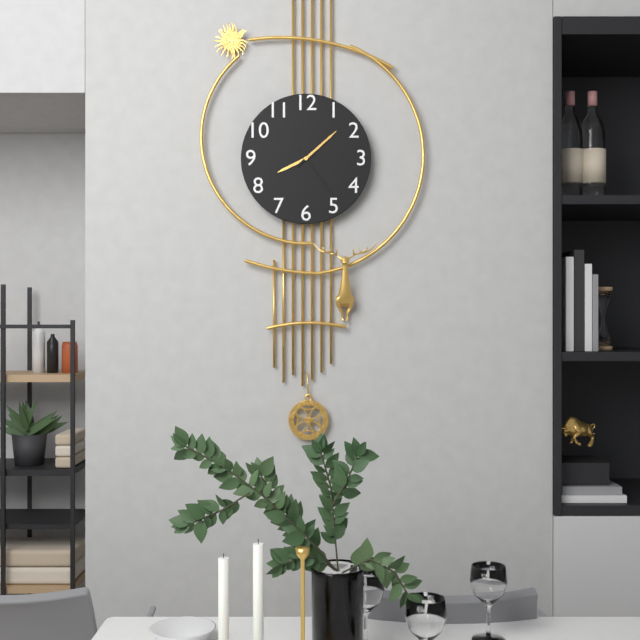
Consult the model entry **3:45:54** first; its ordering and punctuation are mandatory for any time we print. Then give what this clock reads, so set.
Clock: **8:08:24**
